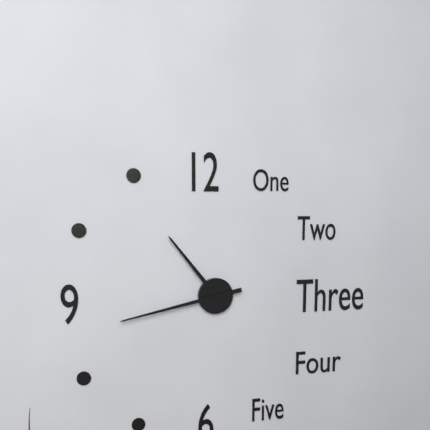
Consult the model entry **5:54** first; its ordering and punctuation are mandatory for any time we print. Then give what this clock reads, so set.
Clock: **10:43**
